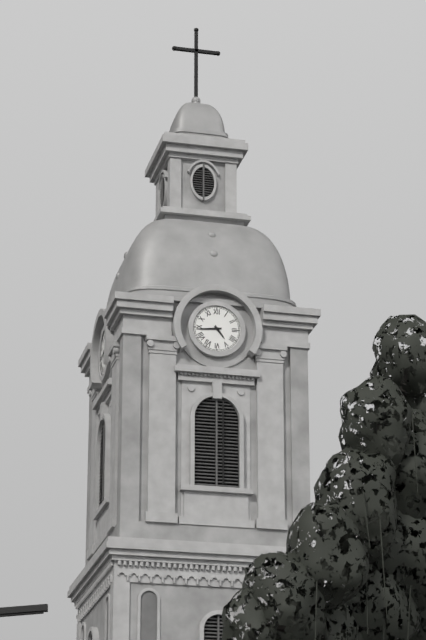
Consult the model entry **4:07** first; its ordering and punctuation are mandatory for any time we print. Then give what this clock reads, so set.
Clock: **4:44**
